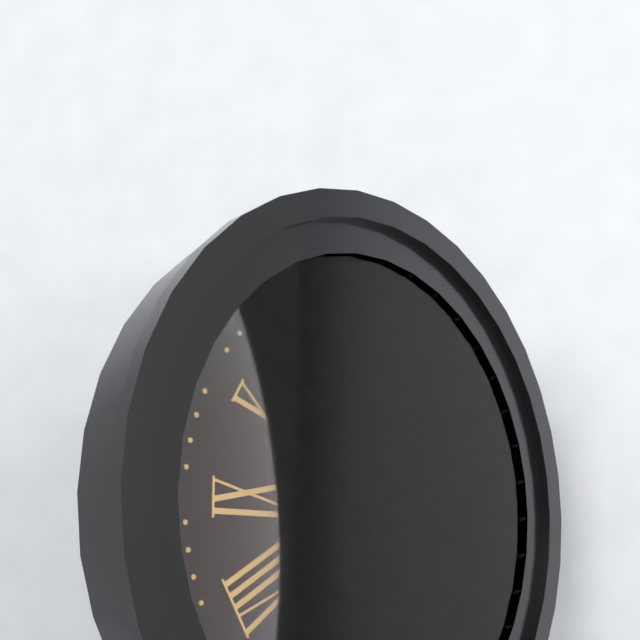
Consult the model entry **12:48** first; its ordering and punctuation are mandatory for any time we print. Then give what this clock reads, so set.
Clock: **6:56**
